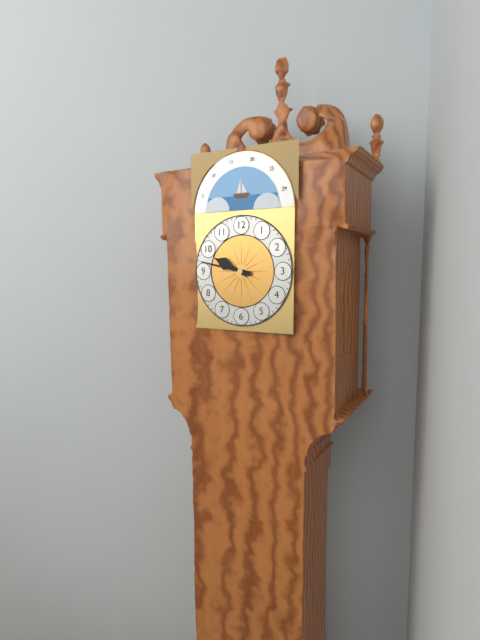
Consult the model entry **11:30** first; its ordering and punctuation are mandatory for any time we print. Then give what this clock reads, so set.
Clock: **9:47**
